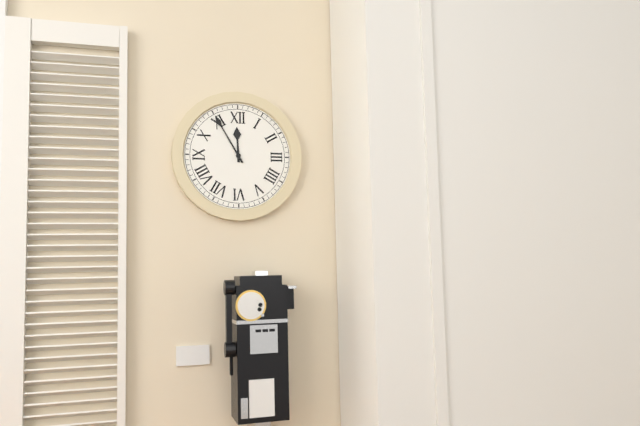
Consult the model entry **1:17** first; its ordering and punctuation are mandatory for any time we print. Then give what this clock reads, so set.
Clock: **11:55**
